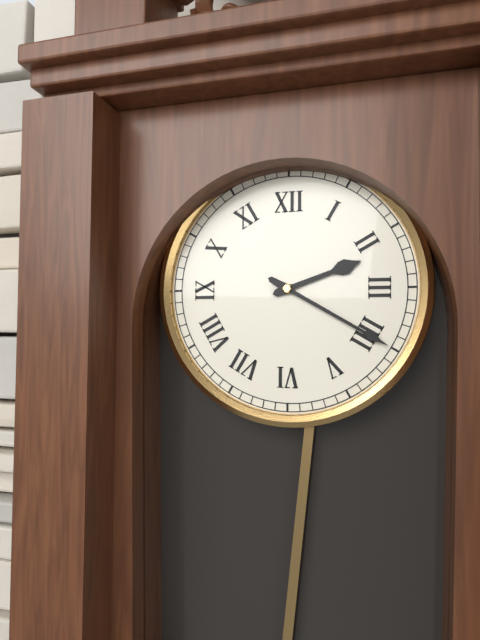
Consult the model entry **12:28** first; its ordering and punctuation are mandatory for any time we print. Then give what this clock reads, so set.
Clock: **2:20**
